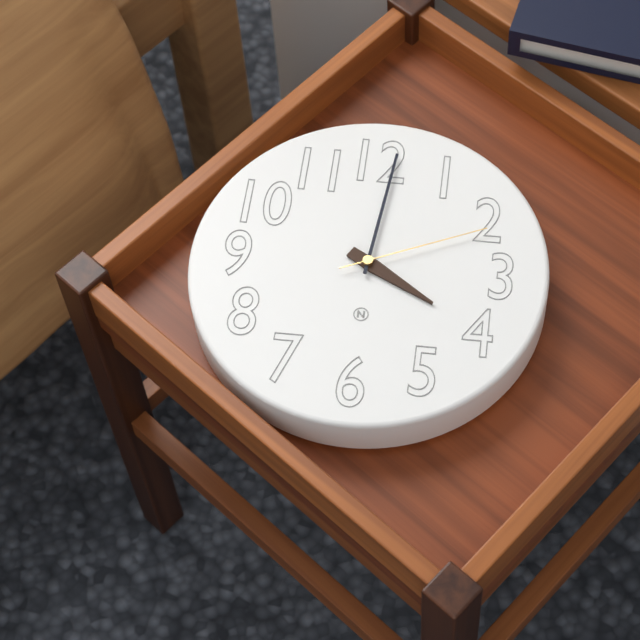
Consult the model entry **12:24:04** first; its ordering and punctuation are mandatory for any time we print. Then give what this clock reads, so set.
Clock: **4:01:11**
